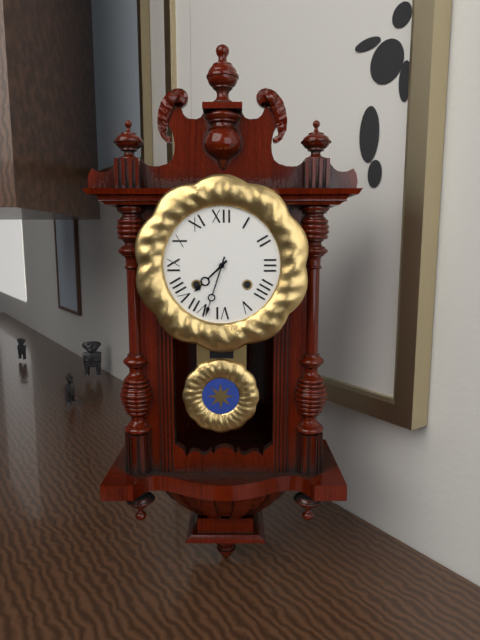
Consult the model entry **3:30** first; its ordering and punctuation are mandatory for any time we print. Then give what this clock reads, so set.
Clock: **7:33**
